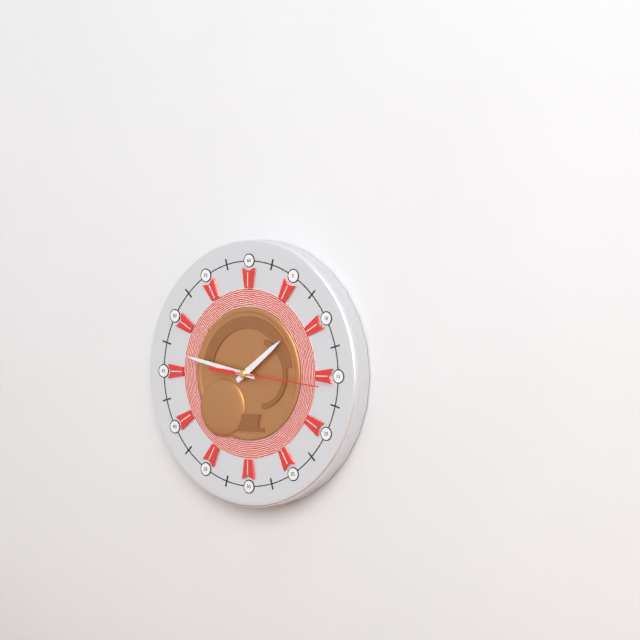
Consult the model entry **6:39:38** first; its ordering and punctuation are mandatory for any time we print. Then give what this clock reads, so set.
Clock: **1:47:16**
